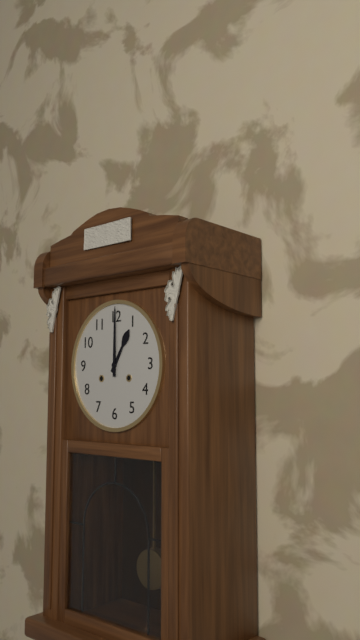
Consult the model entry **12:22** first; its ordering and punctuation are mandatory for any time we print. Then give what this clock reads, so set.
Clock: **1:00**
